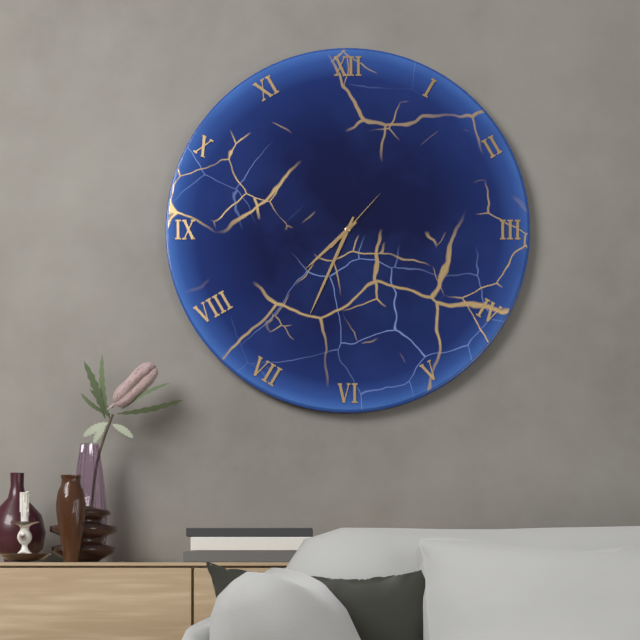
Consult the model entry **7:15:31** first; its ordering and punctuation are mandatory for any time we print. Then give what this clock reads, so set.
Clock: **7:34:07**
